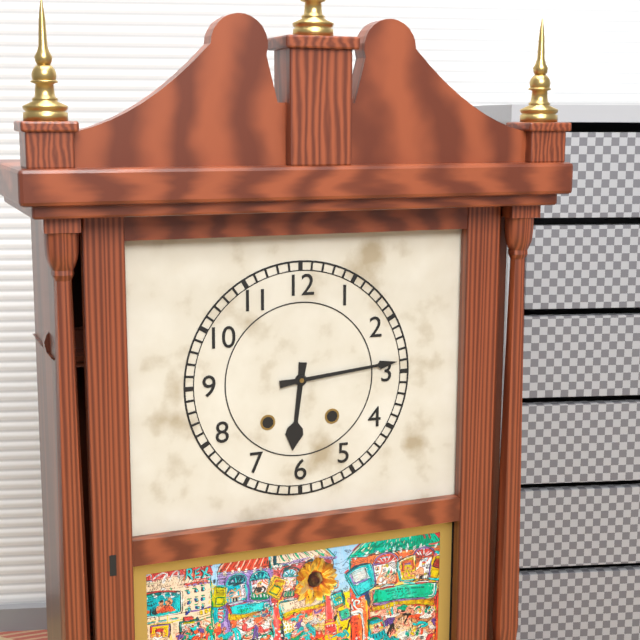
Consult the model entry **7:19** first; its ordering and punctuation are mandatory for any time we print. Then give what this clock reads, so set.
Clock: **6:14**
